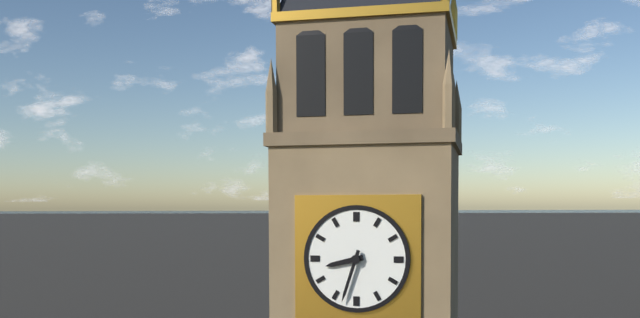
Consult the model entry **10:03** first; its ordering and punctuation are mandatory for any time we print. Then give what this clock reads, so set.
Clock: **8:33**
